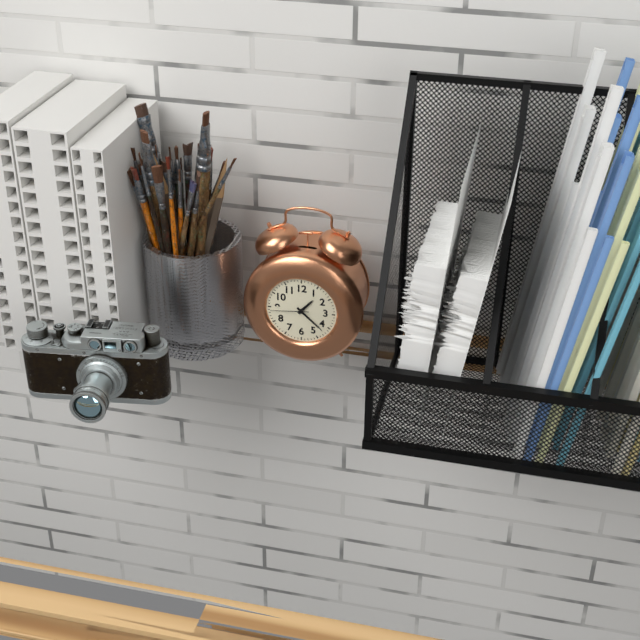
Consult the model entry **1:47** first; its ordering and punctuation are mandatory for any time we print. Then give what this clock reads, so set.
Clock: **1:22**
